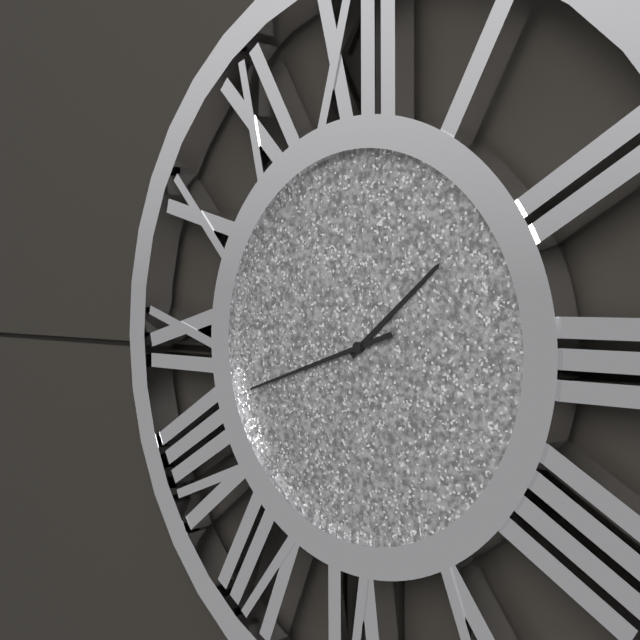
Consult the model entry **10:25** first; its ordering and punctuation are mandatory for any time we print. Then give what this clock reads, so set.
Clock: **1:42**
